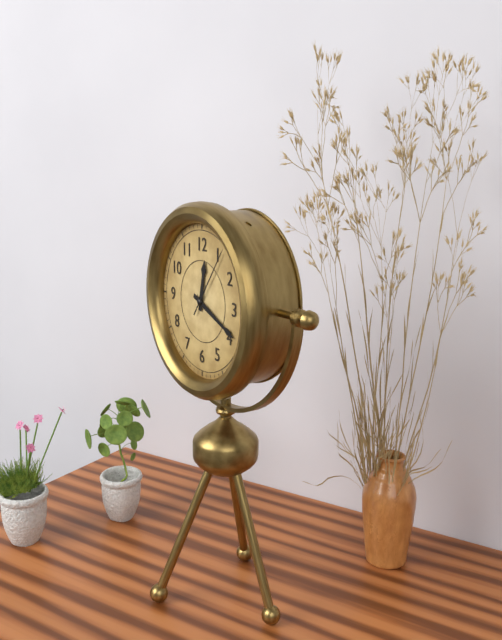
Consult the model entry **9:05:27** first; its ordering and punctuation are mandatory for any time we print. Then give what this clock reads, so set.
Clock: **12:19:06**
